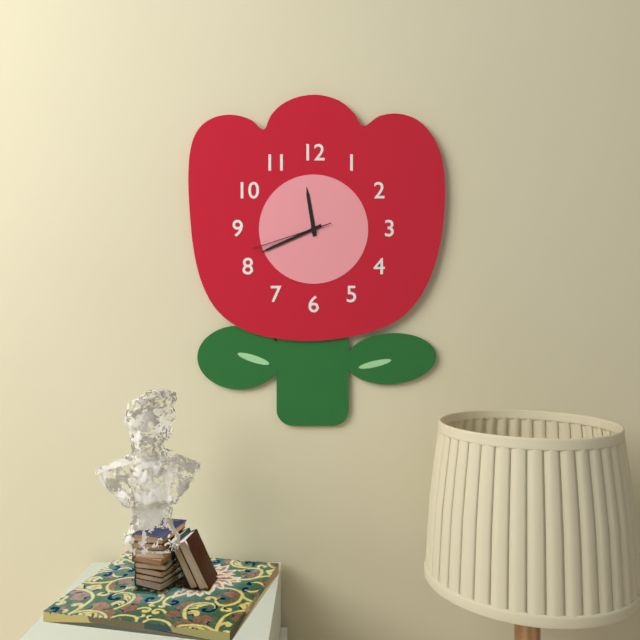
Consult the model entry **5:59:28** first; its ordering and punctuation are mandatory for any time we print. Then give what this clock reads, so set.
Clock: **11:41:42**
